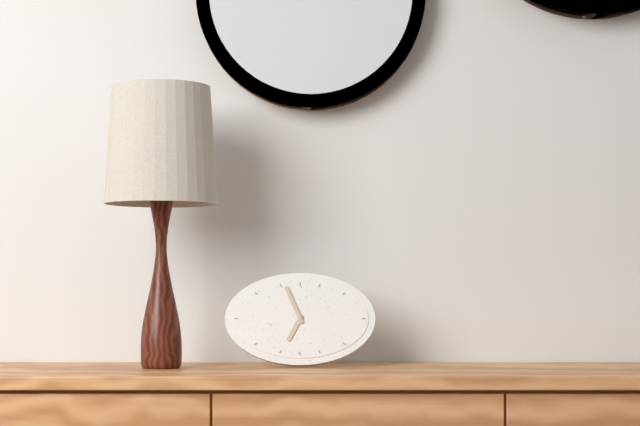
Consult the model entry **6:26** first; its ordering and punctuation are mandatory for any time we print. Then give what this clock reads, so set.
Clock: **6:56**
